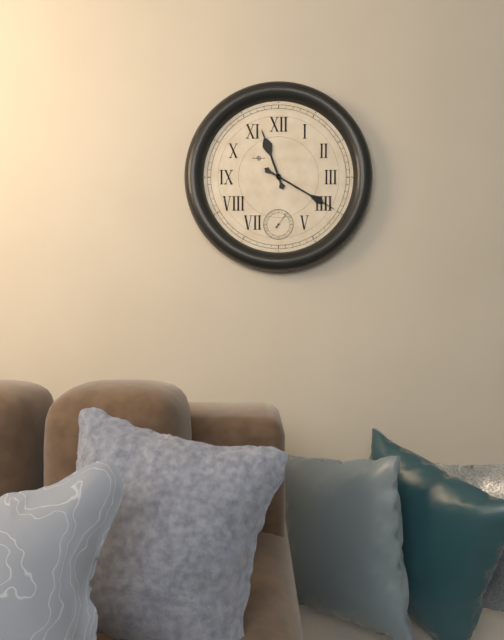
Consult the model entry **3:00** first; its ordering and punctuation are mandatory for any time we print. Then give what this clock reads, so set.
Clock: **11:20**
